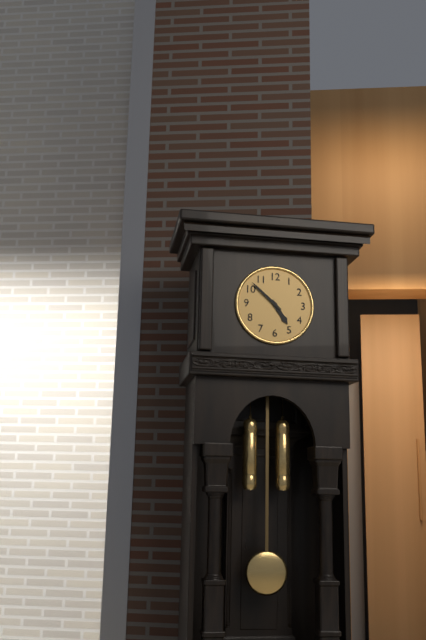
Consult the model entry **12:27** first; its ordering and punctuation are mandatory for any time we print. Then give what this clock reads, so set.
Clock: **4:52**
